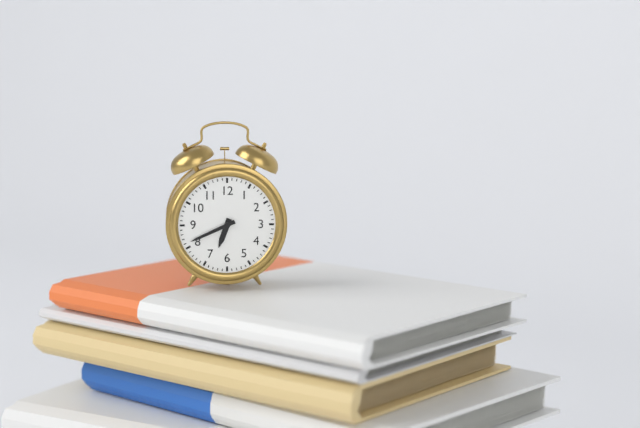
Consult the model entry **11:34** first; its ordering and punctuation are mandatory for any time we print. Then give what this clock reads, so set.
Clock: **6:41**
